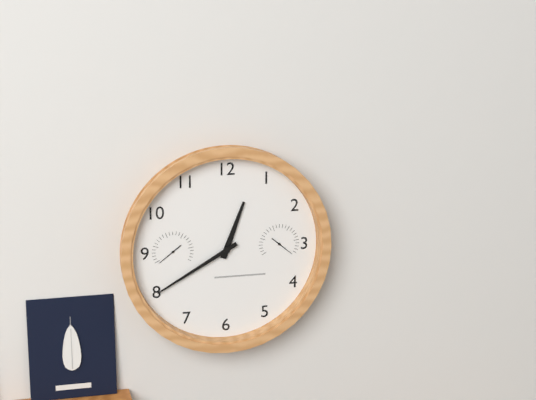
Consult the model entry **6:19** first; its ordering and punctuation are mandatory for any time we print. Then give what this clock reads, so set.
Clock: **12:40**
